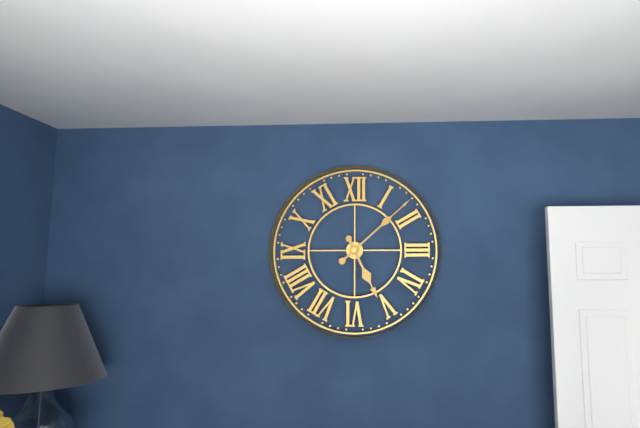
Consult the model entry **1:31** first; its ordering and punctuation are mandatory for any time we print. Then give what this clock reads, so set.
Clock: **5:08**
